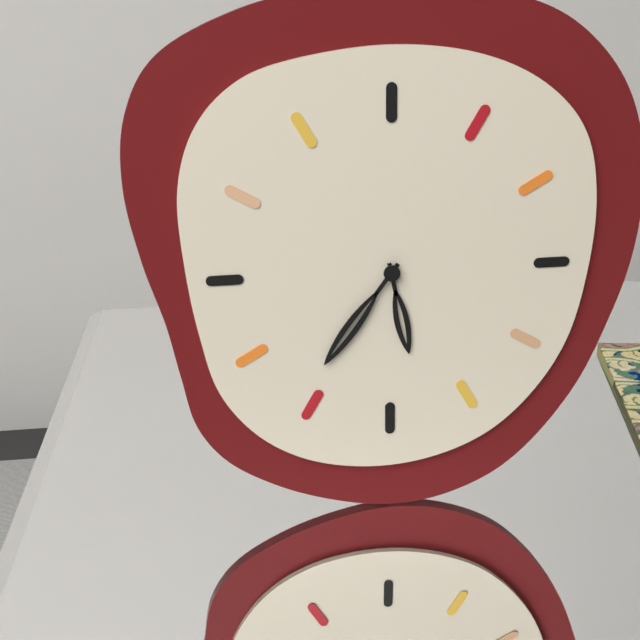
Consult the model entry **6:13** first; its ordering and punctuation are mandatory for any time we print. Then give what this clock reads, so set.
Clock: **5:36**
